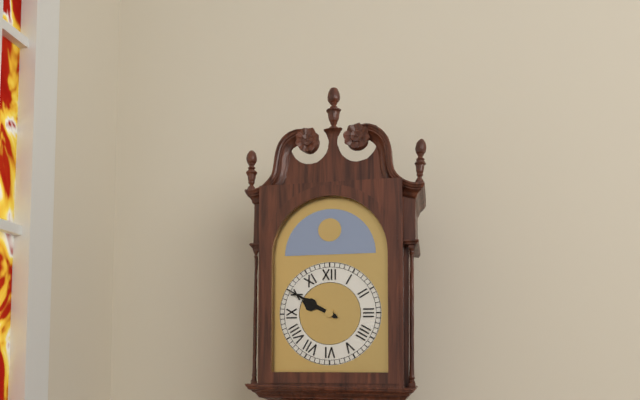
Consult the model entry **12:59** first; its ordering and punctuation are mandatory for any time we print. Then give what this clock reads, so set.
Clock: **9:50**
